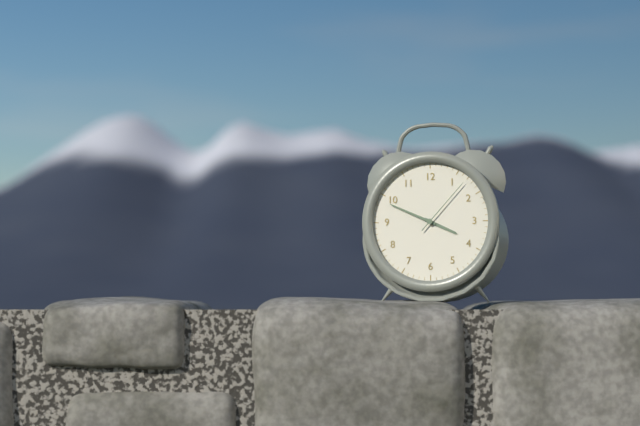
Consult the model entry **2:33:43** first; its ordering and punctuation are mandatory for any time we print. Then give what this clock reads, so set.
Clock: **3:49:07**
